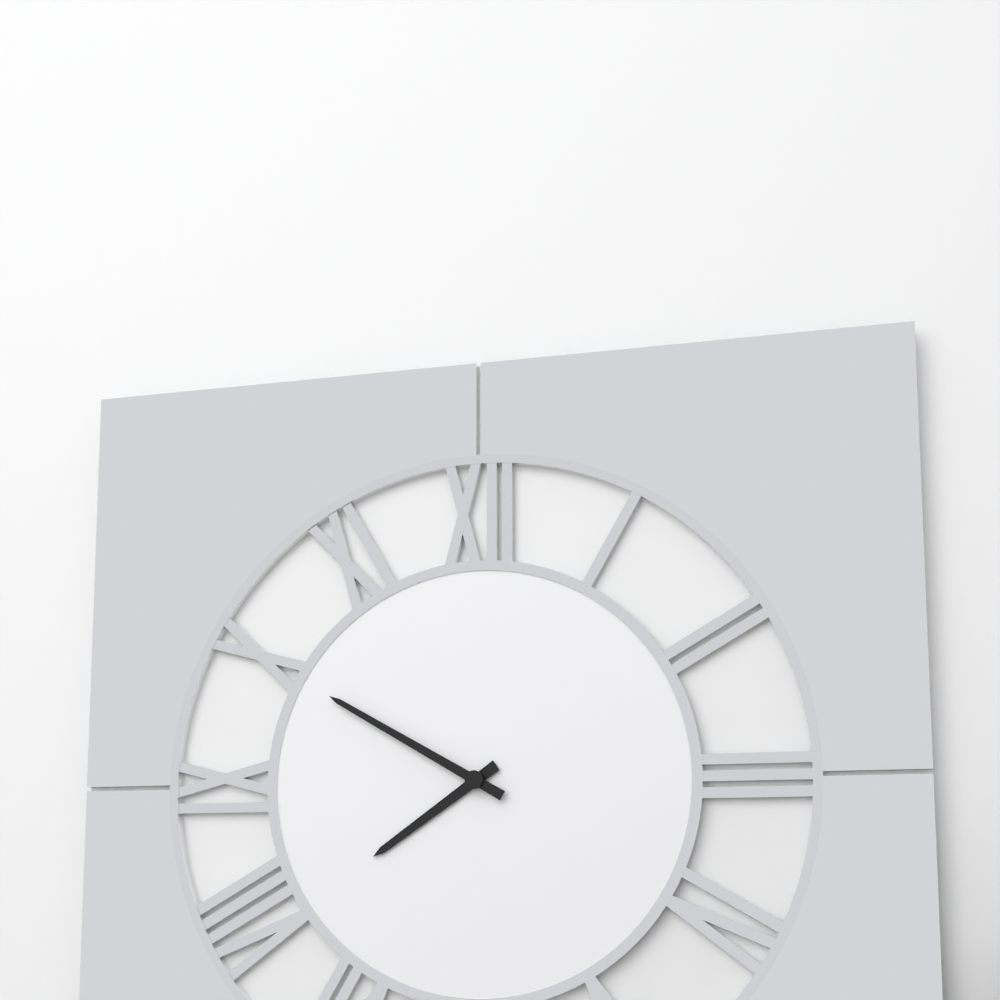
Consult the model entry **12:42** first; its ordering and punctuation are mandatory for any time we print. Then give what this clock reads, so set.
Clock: **7:50**
